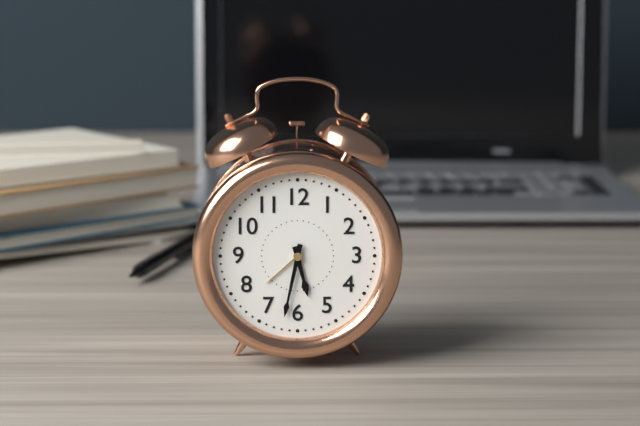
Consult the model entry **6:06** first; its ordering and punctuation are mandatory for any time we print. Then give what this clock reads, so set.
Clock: **5:32**
